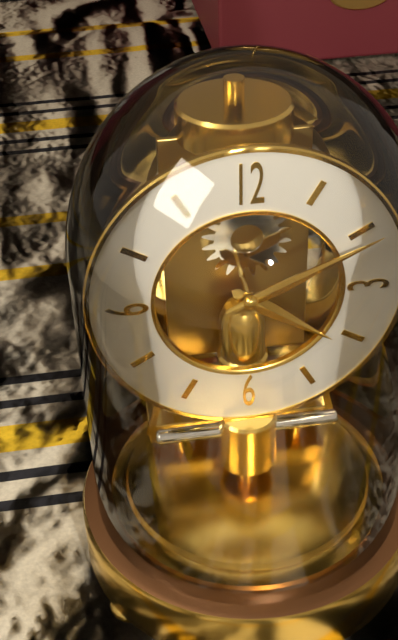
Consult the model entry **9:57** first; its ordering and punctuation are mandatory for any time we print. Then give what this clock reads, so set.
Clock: **4:11**
